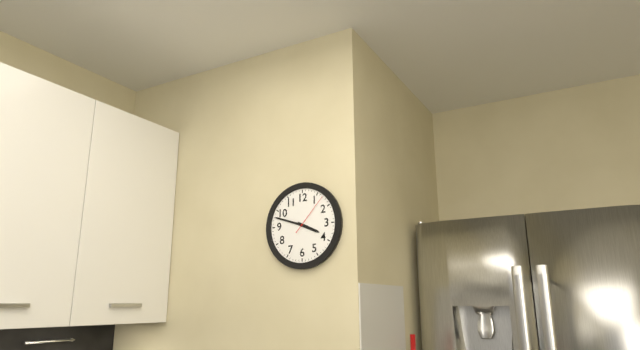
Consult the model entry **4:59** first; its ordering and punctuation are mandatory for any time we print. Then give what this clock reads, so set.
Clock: **3:48**
